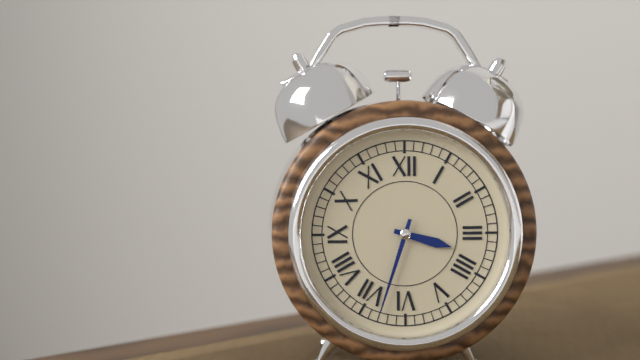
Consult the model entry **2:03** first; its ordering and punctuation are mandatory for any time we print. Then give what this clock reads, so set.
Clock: **3:33**
